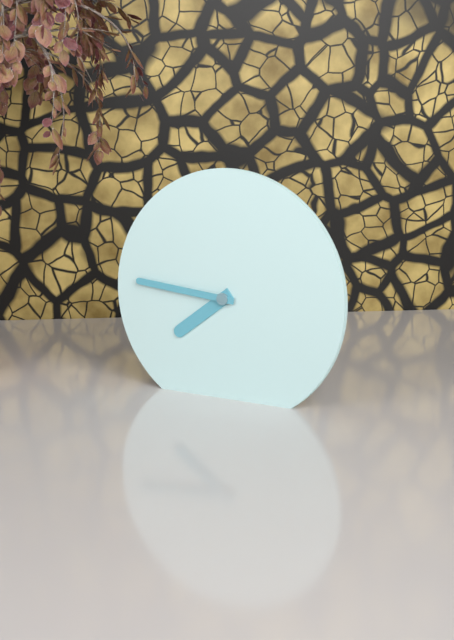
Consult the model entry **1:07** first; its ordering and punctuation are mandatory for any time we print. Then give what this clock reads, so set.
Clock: **7:46**
